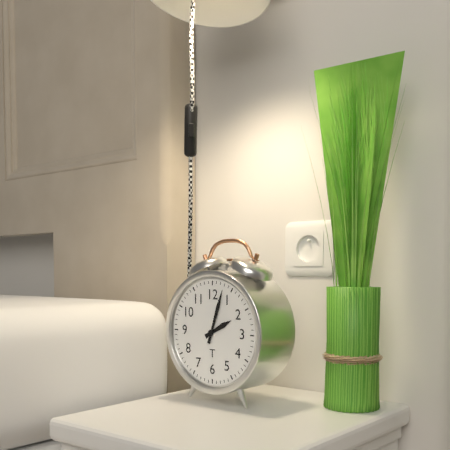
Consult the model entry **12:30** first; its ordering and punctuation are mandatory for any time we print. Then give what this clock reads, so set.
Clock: **2:03**
